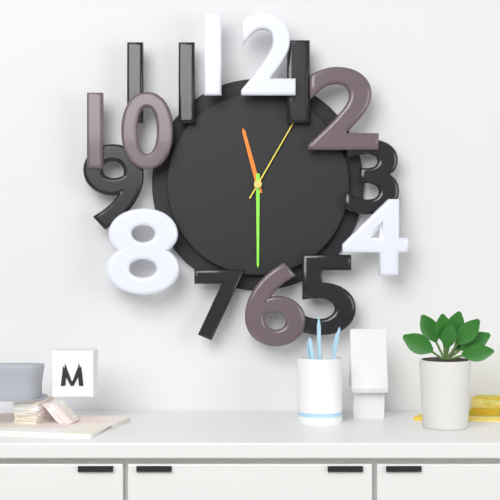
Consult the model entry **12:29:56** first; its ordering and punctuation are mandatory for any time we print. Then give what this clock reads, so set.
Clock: **11:30:05**
